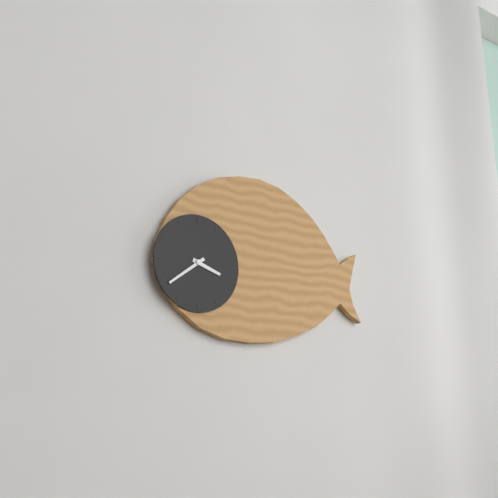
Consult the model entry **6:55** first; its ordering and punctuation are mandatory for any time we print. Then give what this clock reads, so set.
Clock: **3:39**
